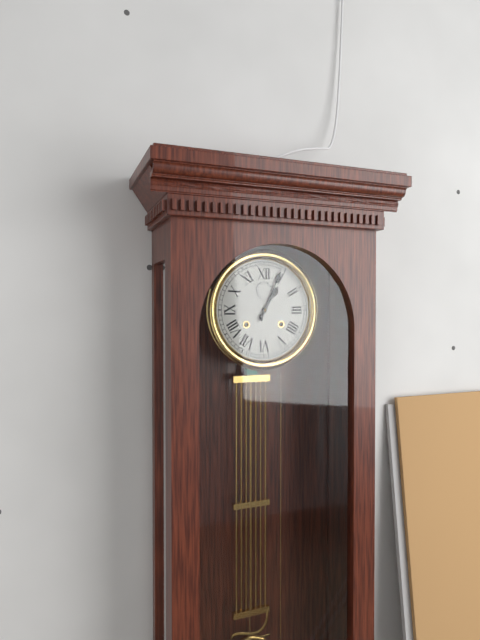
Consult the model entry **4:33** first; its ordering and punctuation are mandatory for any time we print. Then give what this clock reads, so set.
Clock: **1:04**
